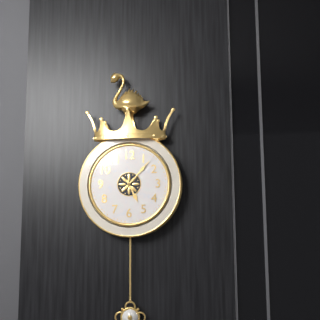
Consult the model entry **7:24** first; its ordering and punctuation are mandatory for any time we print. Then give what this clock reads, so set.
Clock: **5:07**
